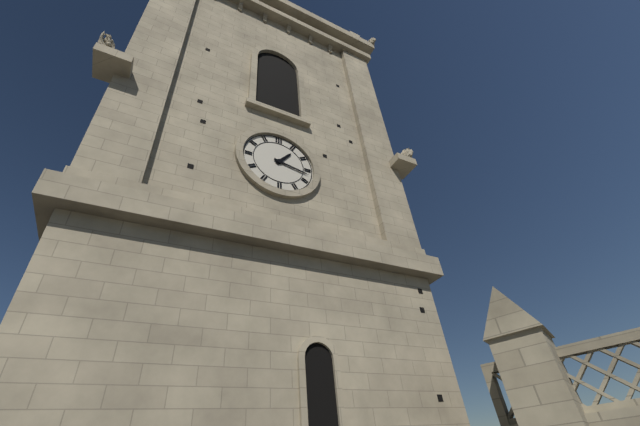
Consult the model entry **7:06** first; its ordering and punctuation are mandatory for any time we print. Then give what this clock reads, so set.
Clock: **1:17**
